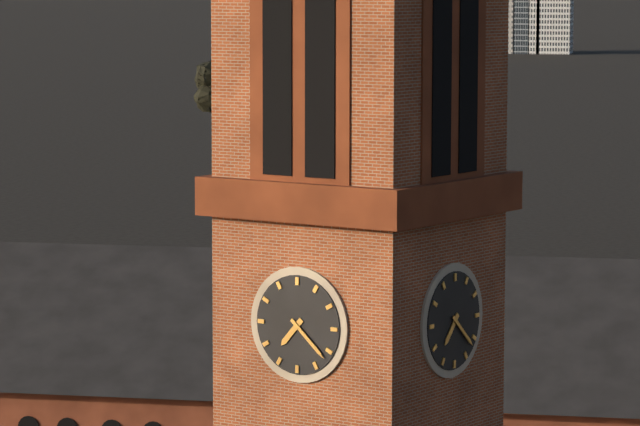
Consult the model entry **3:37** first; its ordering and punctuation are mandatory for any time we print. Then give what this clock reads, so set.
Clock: **7:22**
